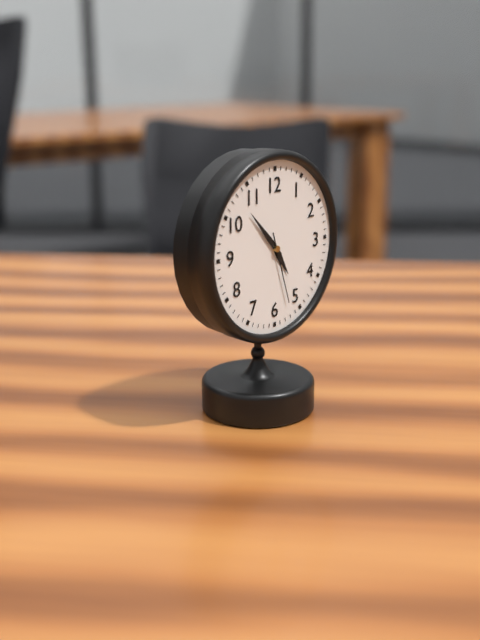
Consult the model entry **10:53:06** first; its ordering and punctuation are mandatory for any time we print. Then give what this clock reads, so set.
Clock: **4:53:27**
